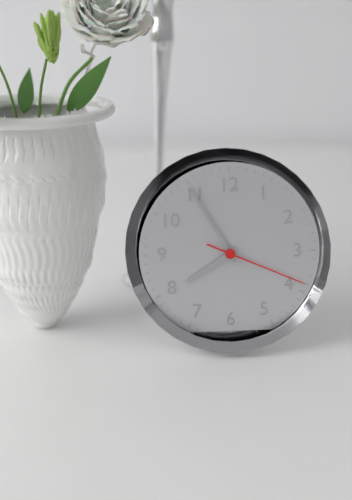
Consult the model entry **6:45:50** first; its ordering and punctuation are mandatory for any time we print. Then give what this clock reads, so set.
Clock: **7:55:19**
